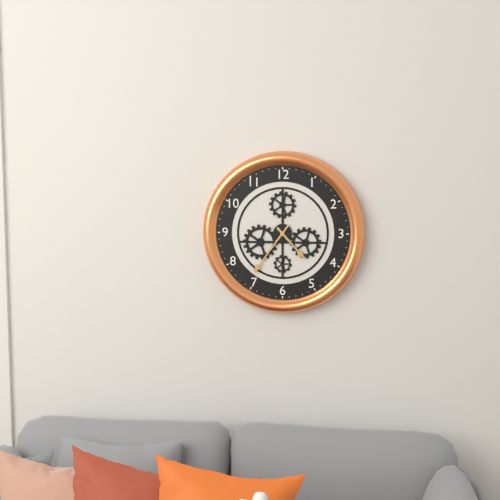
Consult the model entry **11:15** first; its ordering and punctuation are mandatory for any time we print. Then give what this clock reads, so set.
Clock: **4:36**
